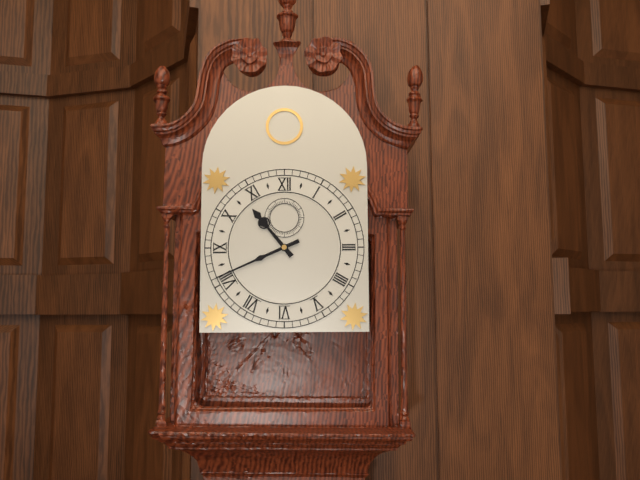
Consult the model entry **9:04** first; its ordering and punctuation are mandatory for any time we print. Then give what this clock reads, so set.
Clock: **10:41**
